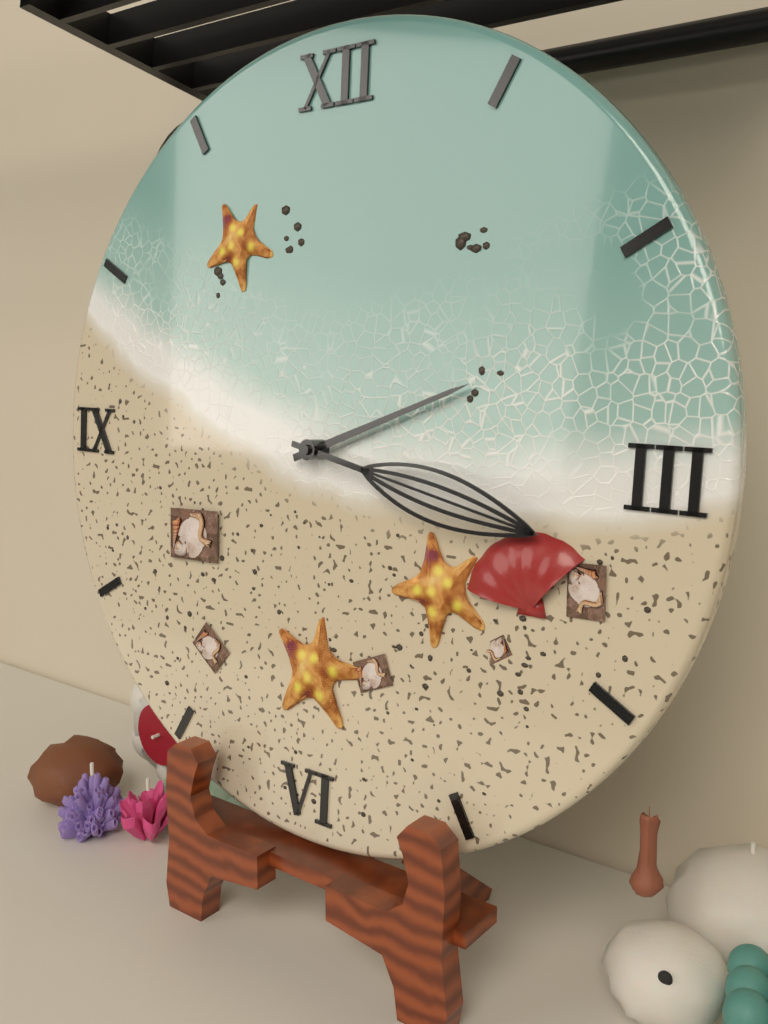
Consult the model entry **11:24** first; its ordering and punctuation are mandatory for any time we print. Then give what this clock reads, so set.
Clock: **2:17**
